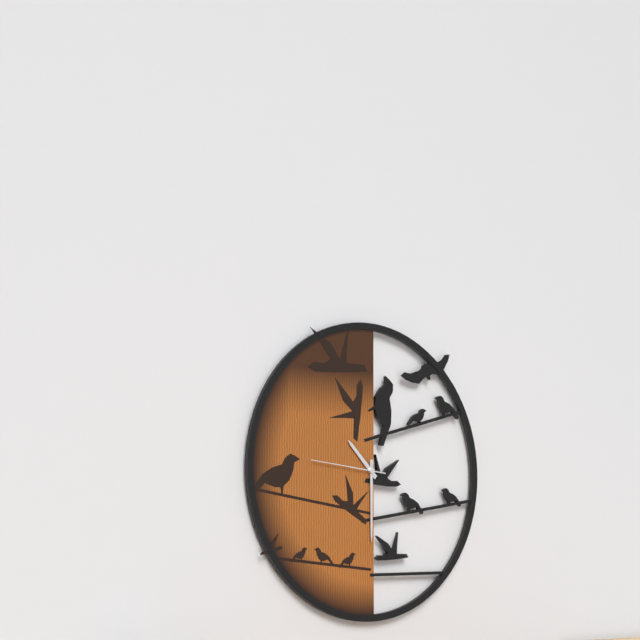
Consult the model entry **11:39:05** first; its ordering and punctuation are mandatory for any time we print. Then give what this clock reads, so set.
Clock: **10:30:46**
